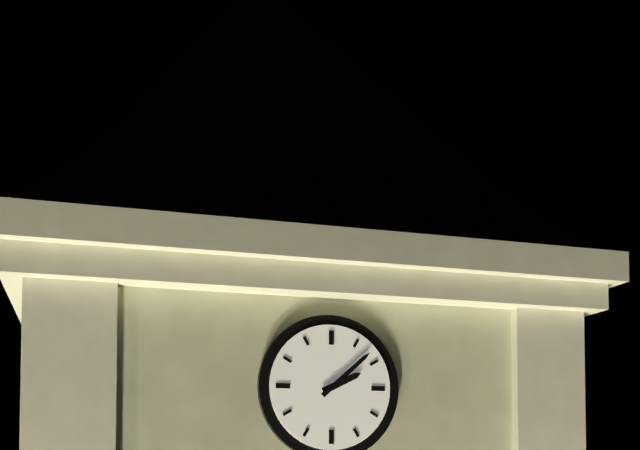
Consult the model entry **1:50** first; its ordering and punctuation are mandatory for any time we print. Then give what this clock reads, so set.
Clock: **2:08**
